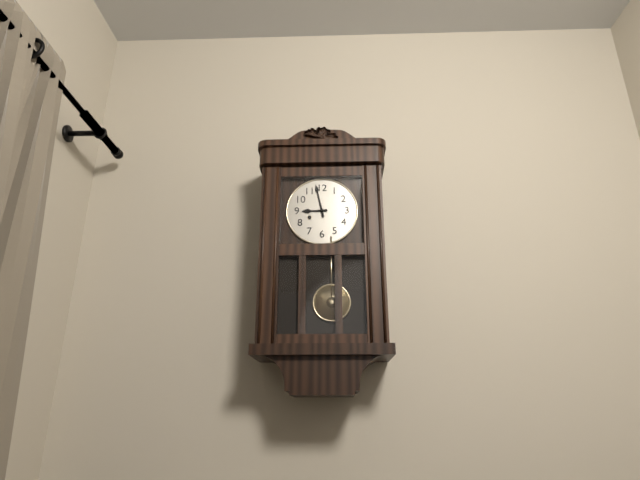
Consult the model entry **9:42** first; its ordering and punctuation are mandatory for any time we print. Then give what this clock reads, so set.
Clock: **8:58**
